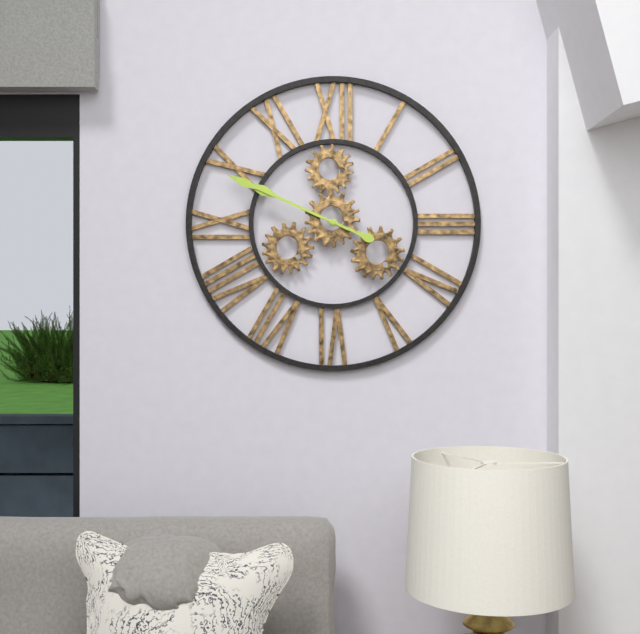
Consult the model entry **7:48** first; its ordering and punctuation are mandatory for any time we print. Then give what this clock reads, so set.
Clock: **9:49**
